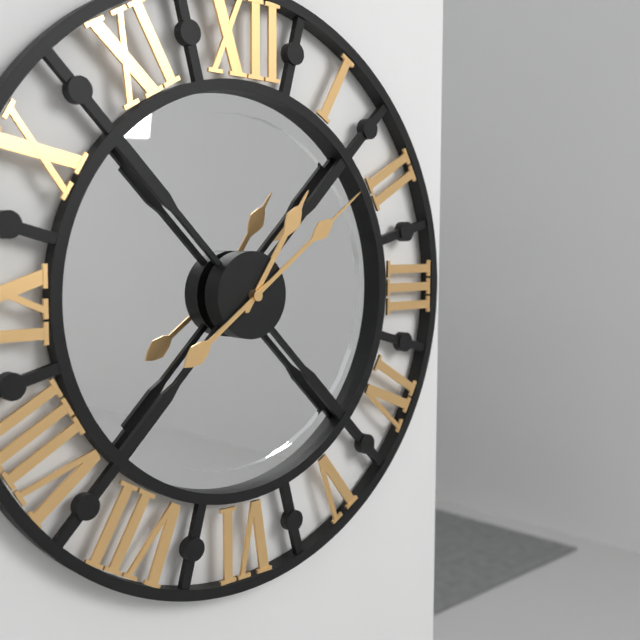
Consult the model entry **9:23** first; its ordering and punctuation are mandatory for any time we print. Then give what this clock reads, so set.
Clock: **1:09**
